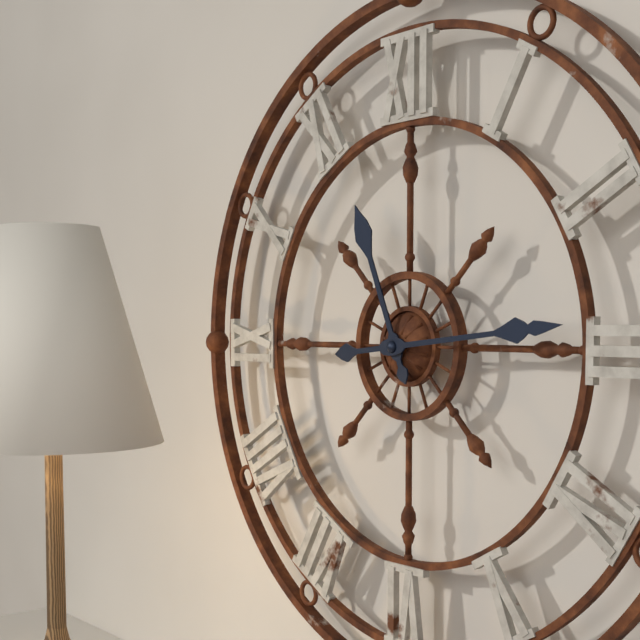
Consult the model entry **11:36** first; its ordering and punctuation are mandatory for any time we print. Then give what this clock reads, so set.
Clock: **11:14**
